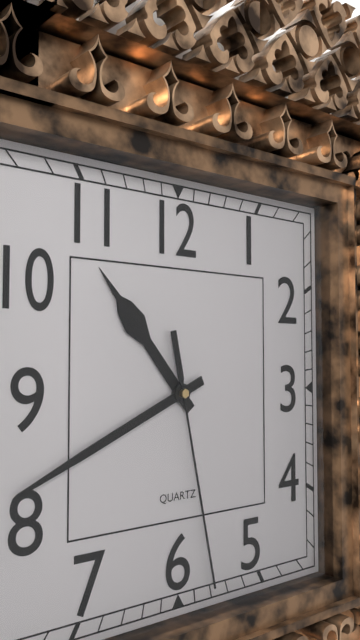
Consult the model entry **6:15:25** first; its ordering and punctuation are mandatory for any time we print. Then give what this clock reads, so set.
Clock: **10:41:28**
